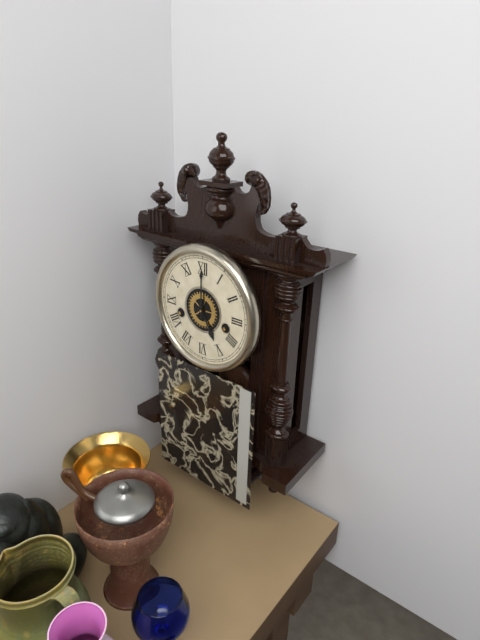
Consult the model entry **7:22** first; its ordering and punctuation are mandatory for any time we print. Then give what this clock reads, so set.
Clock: **5:00**
